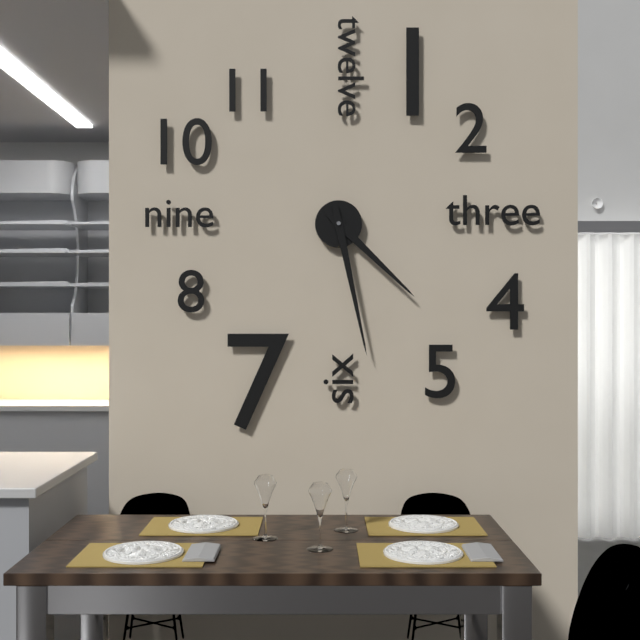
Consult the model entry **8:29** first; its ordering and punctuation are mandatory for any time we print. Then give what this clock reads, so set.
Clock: **4:28**
